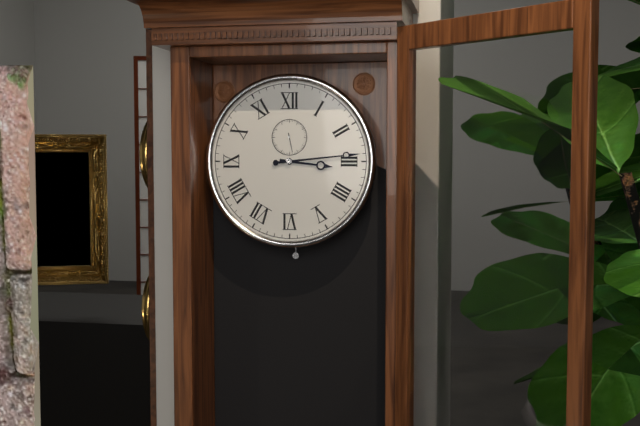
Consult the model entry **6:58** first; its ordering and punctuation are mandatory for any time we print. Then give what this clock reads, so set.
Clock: **3:14**
